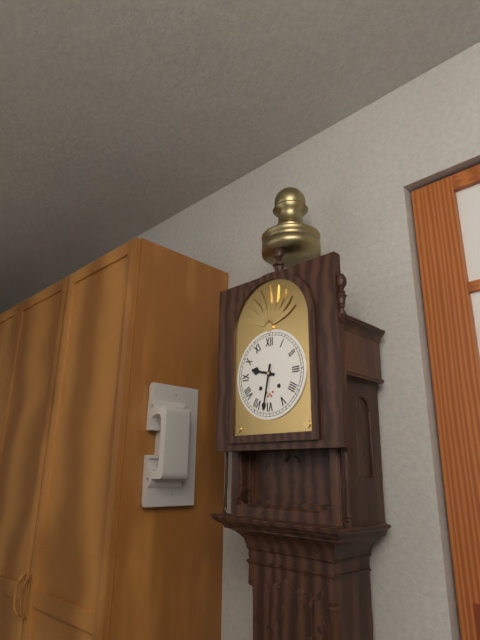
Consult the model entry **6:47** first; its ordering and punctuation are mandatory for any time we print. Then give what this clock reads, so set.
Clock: **9:32**
